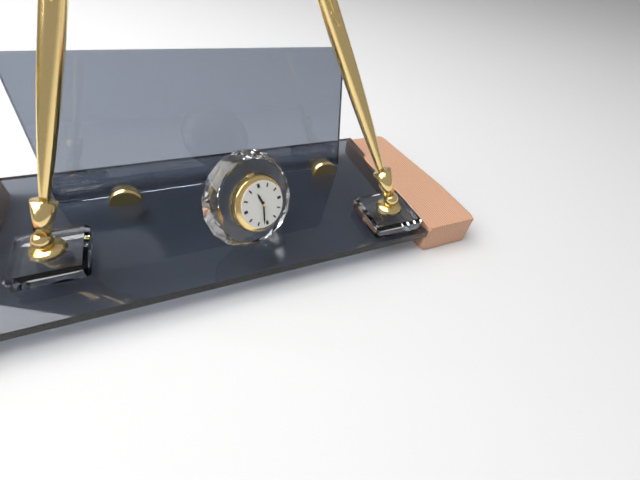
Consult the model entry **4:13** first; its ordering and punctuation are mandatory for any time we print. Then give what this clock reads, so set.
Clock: **11:32**
